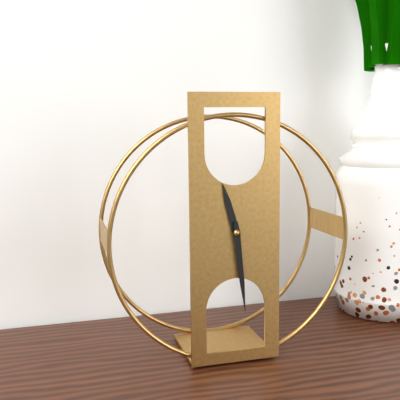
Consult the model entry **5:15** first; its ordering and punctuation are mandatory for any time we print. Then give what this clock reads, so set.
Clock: **11:29**
